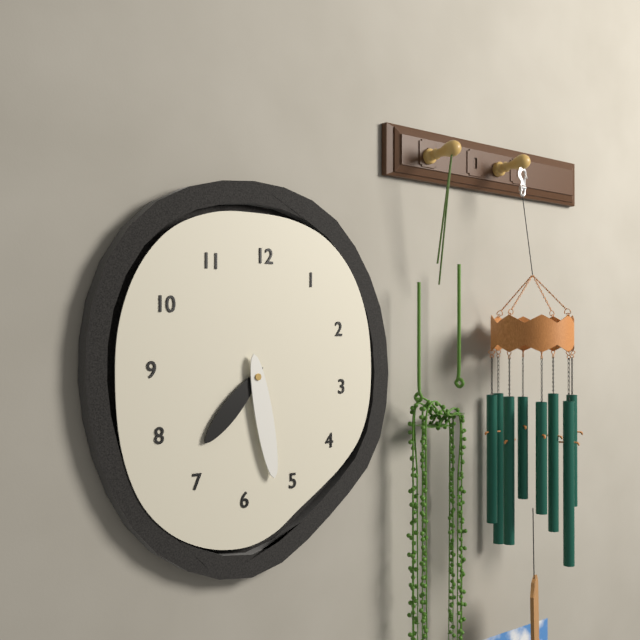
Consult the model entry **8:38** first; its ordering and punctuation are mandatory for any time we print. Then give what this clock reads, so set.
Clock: **7:28**
